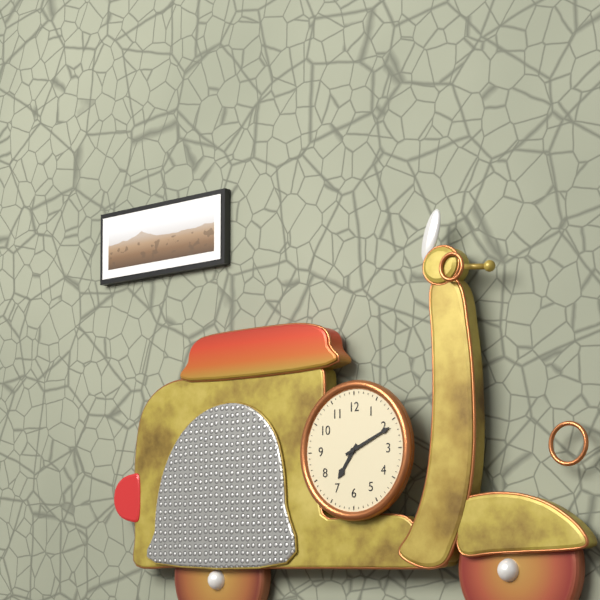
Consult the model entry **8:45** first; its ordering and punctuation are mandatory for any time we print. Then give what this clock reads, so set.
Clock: **7:11**
